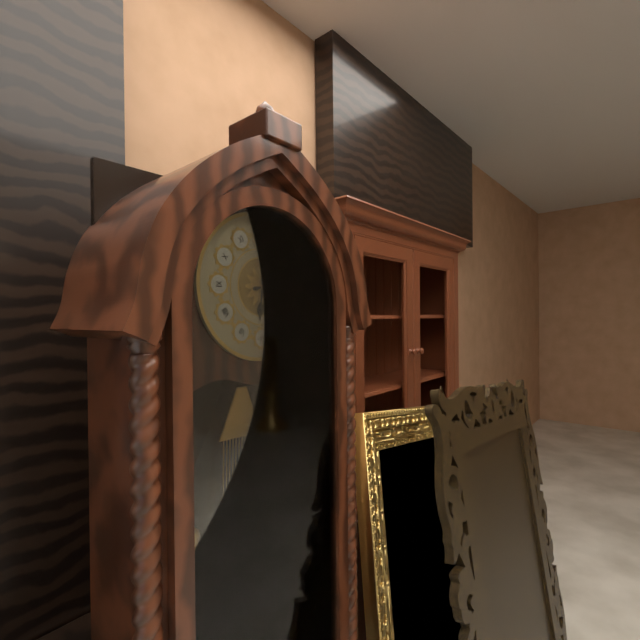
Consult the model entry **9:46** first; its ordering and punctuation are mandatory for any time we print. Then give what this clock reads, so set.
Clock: **6:13**
